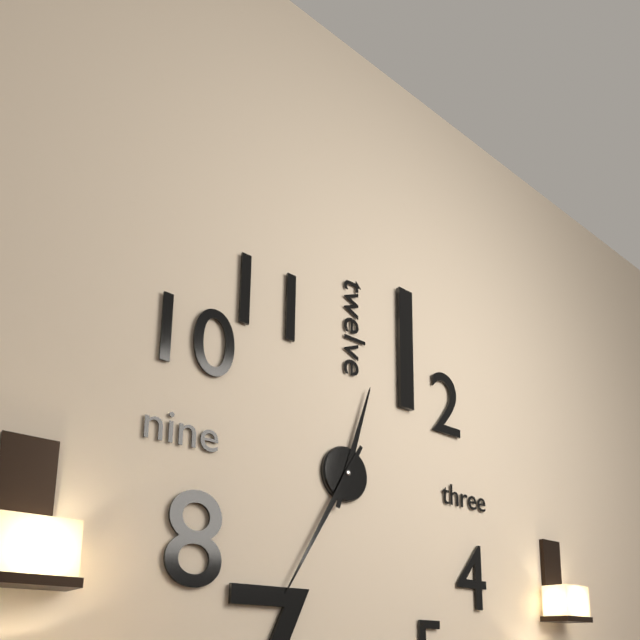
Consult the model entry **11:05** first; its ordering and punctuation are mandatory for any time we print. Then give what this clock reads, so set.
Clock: **12:35**
